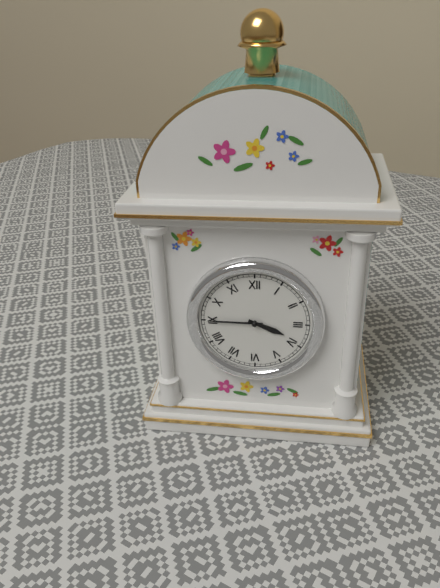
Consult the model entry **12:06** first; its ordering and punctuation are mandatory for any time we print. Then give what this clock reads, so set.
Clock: **3:45**
